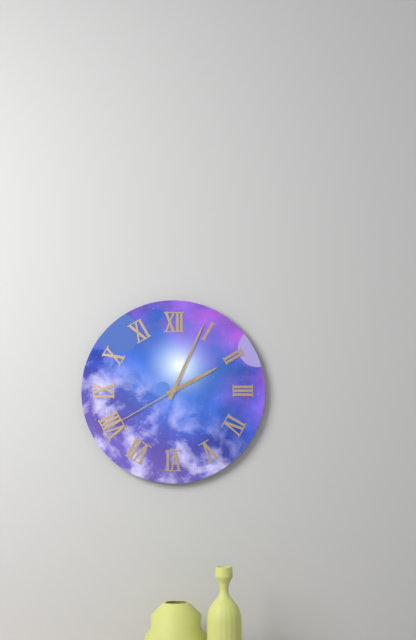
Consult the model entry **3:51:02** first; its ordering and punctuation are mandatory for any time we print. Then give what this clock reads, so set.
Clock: **2:04:40**
